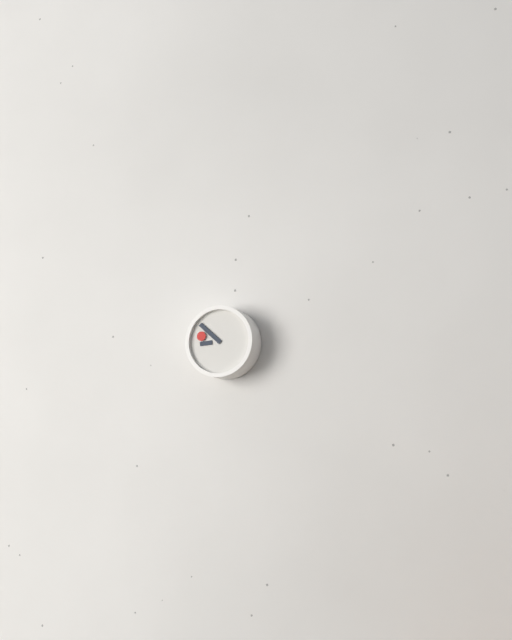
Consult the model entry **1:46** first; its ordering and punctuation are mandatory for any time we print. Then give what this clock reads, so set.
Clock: **8:52**
